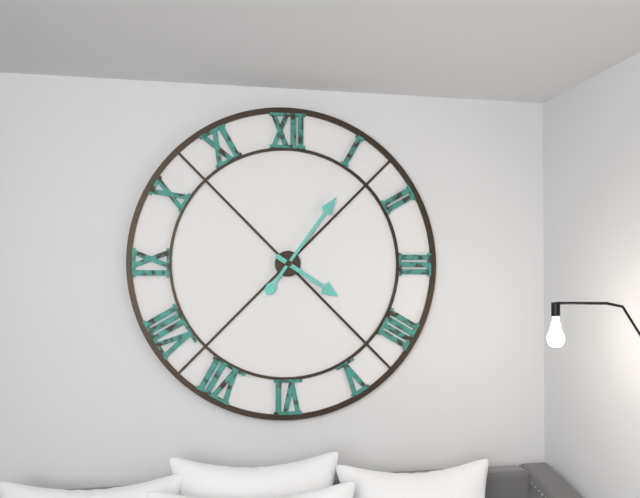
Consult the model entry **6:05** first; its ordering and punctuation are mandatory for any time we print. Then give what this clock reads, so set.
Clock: **4:06**
